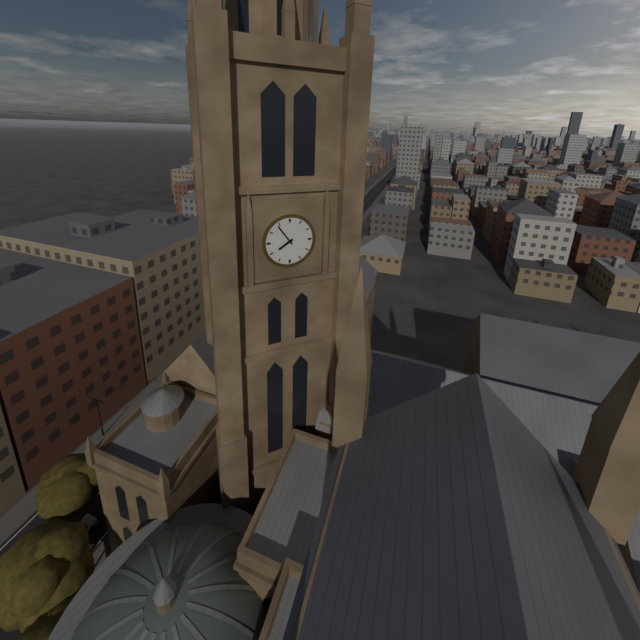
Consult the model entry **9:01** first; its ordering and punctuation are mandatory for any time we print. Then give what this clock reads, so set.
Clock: **7:54**
